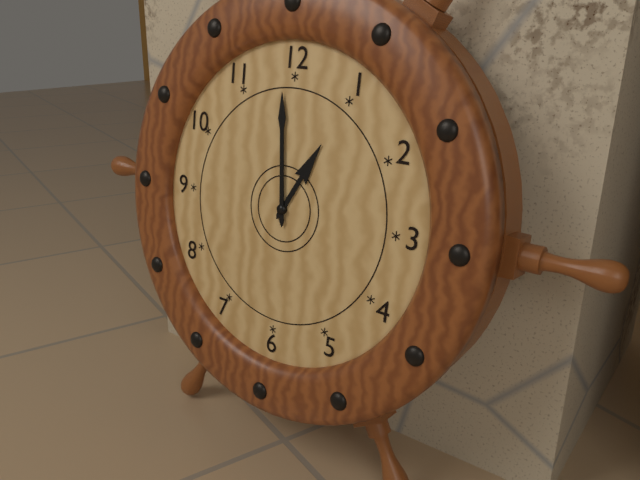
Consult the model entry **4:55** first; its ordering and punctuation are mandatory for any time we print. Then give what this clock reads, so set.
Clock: **12:59**
